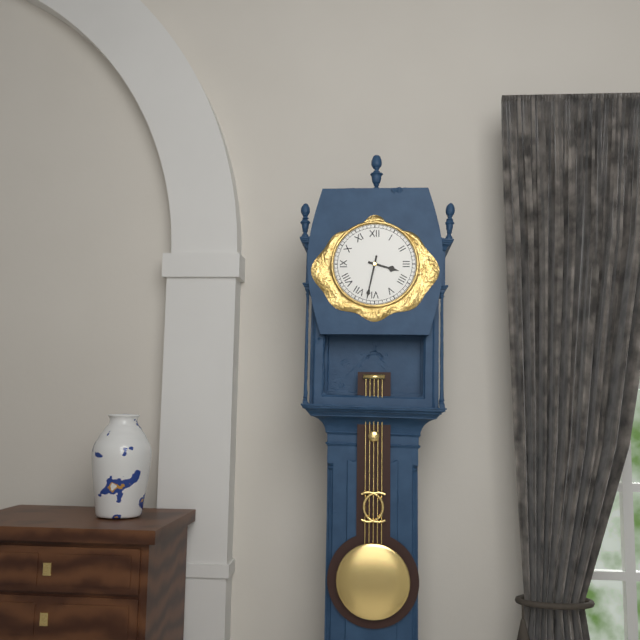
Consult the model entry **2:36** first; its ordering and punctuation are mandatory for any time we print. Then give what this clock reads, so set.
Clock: **3:32**
